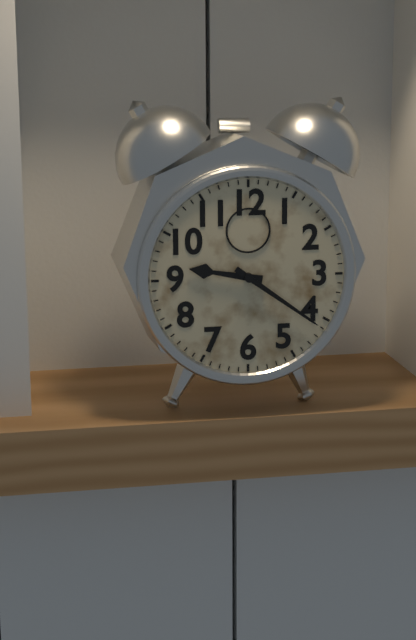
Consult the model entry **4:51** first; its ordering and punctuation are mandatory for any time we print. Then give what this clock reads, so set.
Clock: **9:21**
